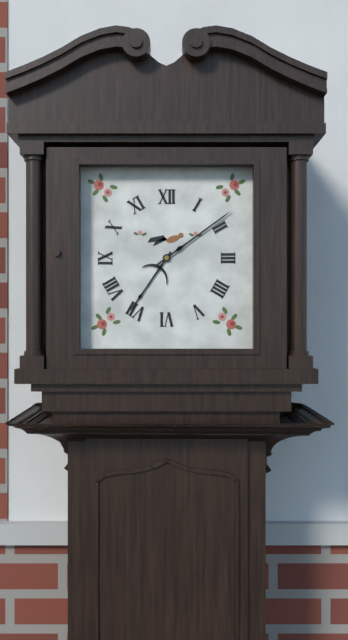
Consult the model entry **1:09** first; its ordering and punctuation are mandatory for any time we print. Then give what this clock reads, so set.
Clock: **7:09**
